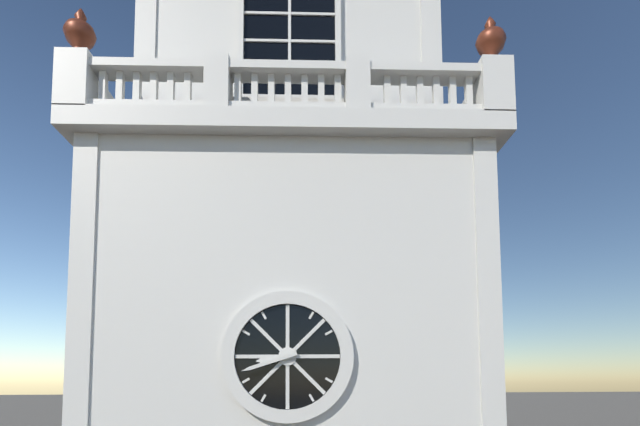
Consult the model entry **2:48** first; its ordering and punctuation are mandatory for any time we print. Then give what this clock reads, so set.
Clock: **8:42**
